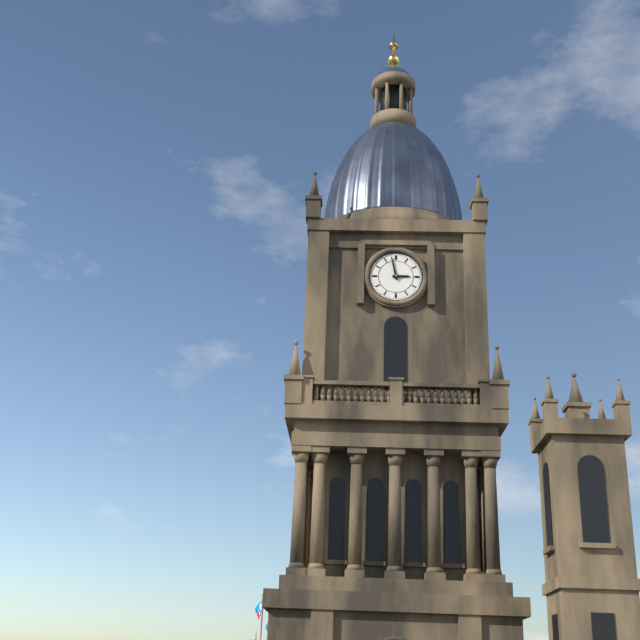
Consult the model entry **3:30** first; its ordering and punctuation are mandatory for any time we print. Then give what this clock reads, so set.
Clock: **2:58**
